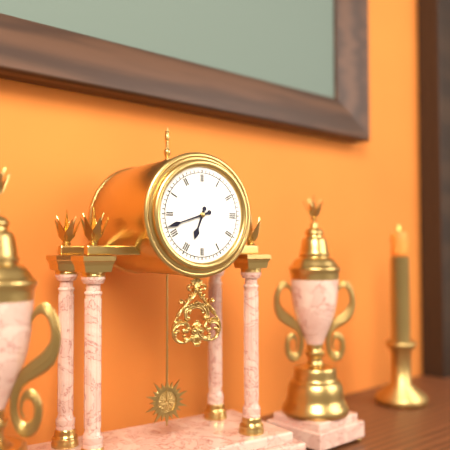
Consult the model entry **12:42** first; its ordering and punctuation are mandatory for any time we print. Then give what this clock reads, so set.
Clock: **6:42**
